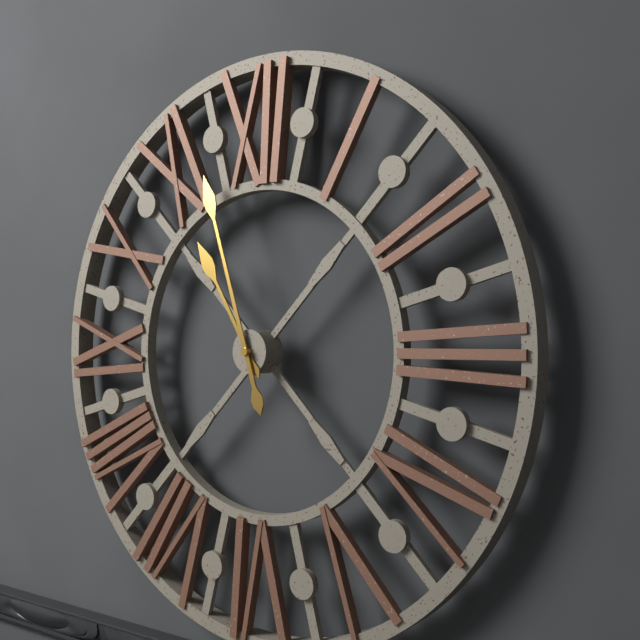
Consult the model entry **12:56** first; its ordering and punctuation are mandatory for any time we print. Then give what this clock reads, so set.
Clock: **10:57**
